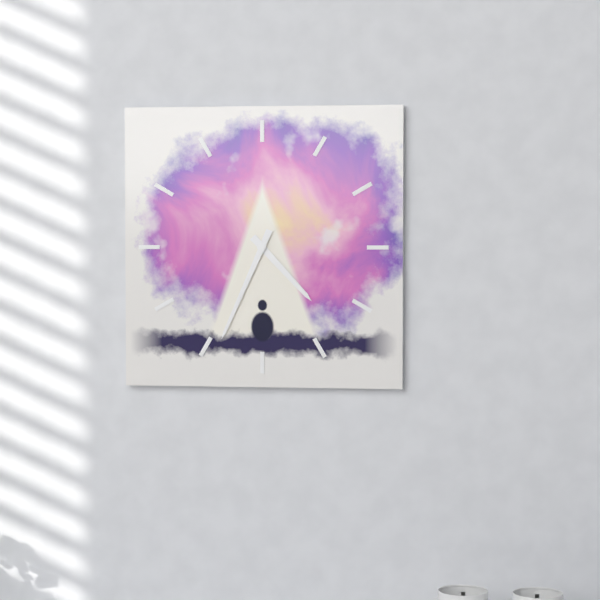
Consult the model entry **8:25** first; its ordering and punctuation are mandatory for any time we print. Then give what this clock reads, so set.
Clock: **4:34**
